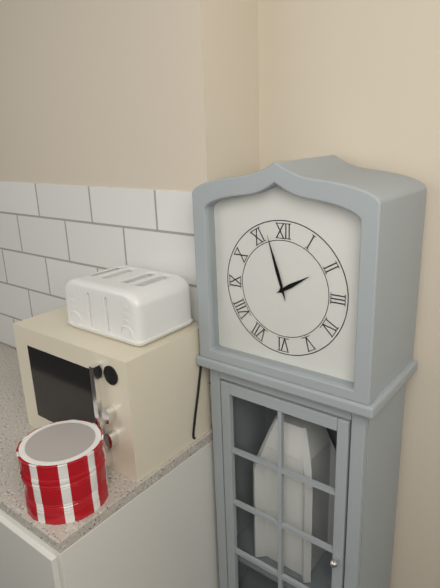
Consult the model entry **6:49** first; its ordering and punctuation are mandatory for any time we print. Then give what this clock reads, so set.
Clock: **1:57**
